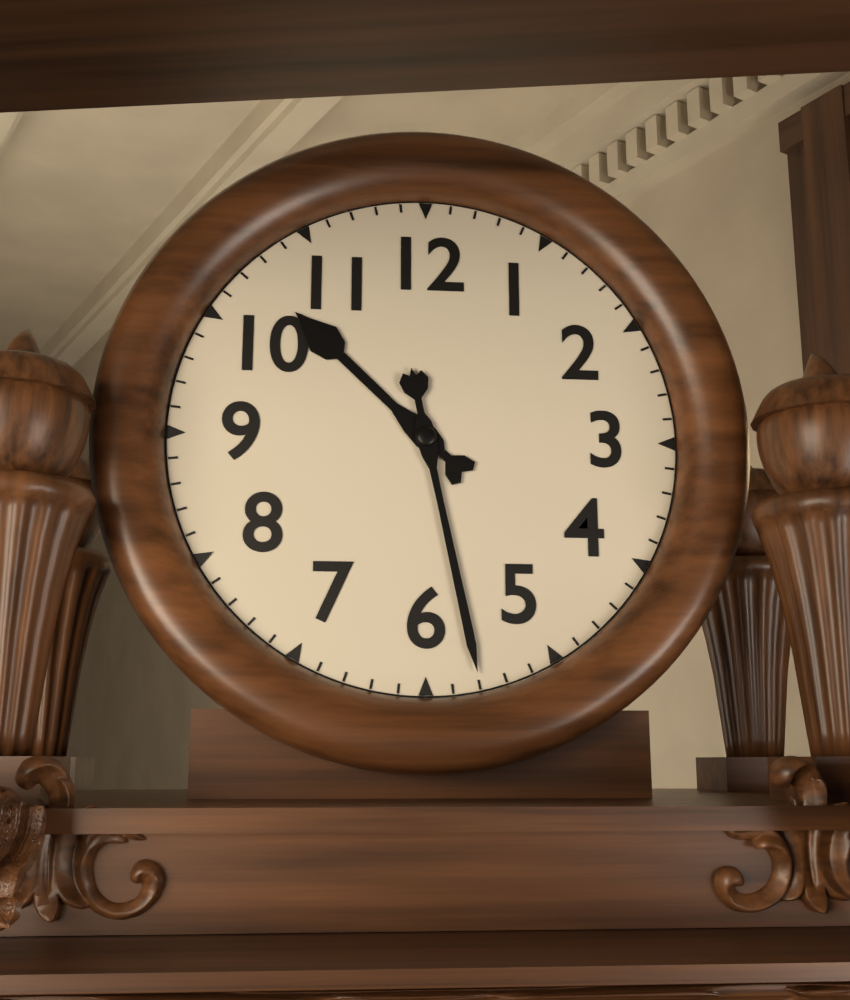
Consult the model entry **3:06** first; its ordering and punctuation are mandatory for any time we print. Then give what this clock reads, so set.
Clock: **10:28**
